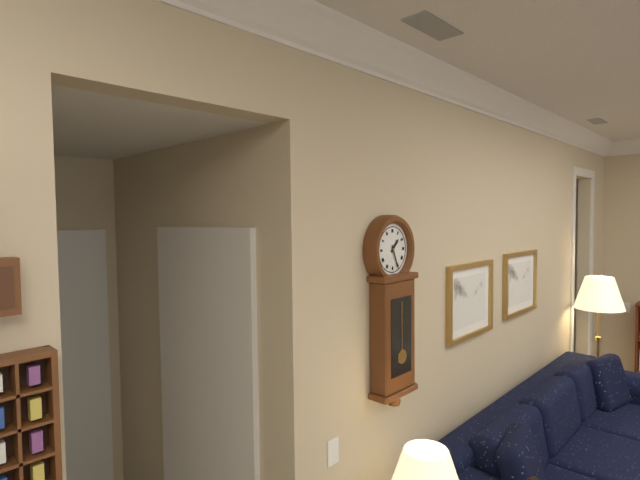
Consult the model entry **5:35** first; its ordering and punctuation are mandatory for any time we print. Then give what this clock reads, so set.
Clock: **1:26**
